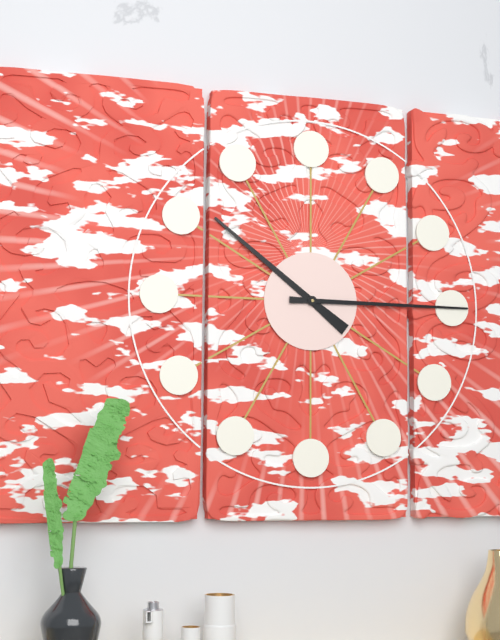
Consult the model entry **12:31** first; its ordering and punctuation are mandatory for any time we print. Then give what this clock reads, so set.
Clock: **10:15**
